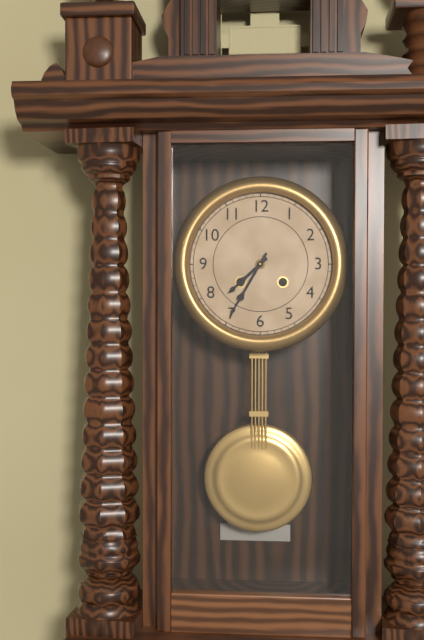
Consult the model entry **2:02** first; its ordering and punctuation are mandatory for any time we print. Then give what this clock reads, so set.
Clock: **7:35**
